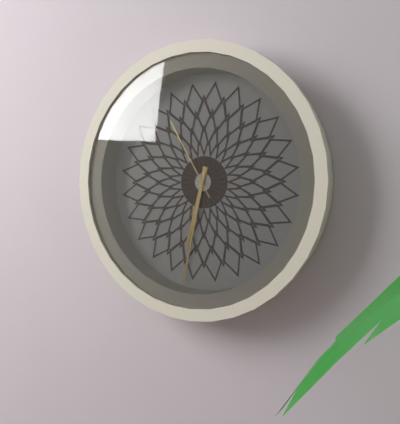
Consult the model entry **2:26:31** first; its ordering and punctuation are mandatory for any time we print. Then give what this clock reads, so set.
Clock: **6:32:55**
